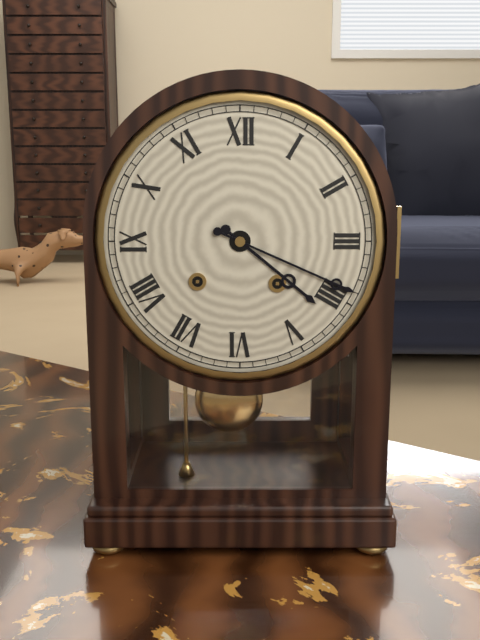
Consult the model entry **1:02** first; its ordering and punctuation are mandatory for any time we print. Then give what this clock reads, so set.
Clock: **4:19**
